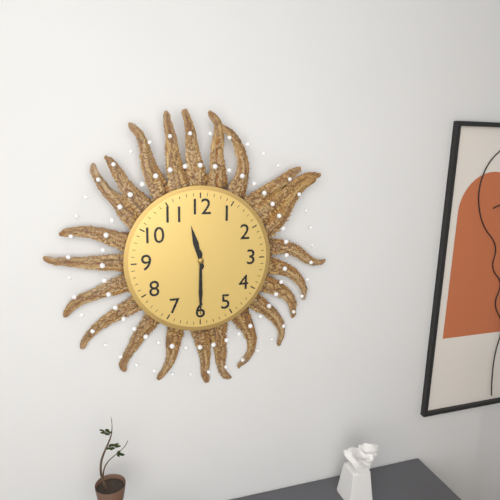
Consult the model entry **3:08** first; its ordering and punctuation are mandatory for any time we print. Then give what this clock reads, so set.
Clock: **11:30**
